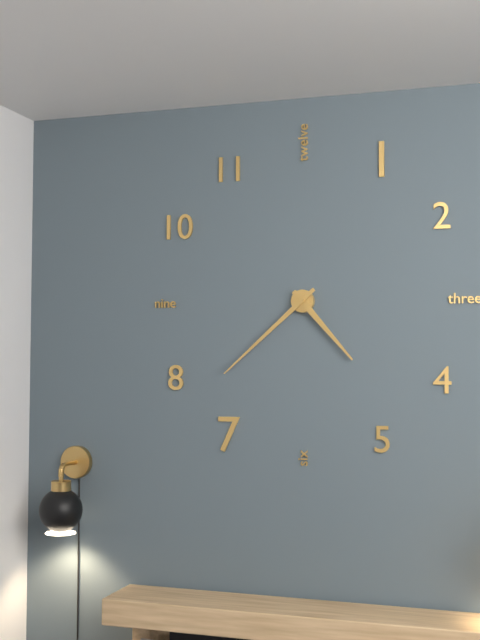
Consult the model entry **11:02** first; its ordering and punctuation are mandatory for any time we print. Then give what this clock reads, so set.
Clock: **4:38**
